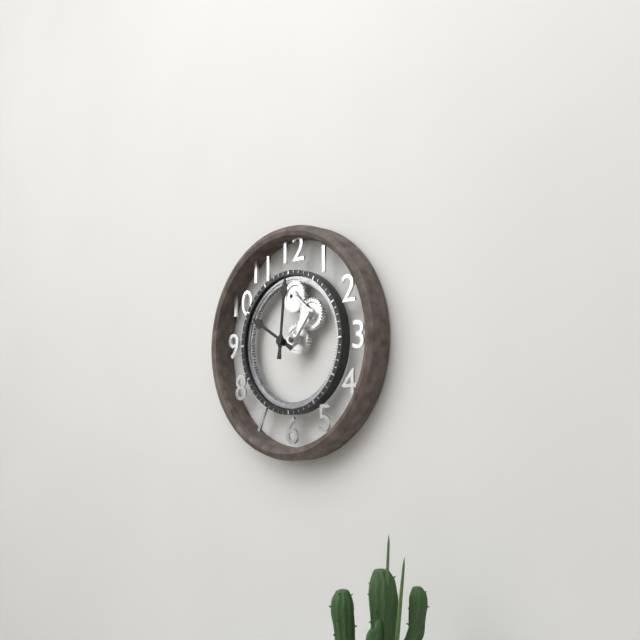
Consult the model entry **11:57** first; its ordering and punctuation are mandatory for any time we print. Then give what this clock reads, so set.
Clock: **10:01**
